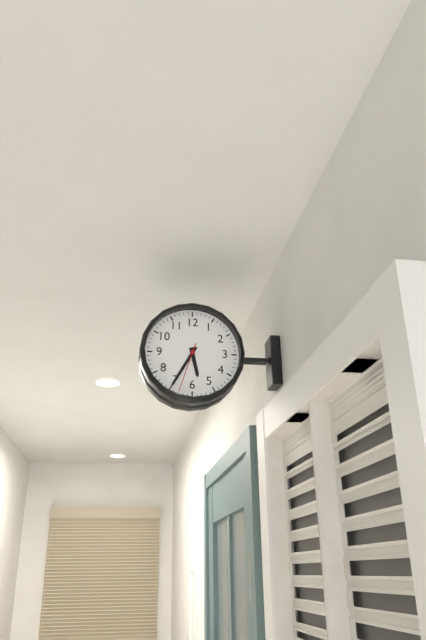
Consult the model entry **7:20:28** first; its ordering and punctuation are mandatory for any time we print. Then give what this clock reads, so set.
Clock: **5:35:33**
